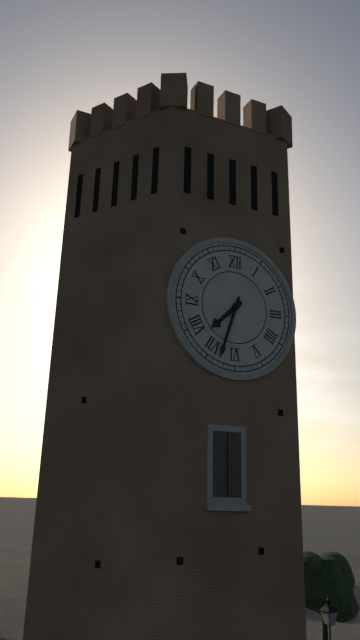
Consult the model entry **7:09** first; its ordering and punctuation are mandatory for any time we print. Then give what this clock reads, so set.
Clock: **7:33**
